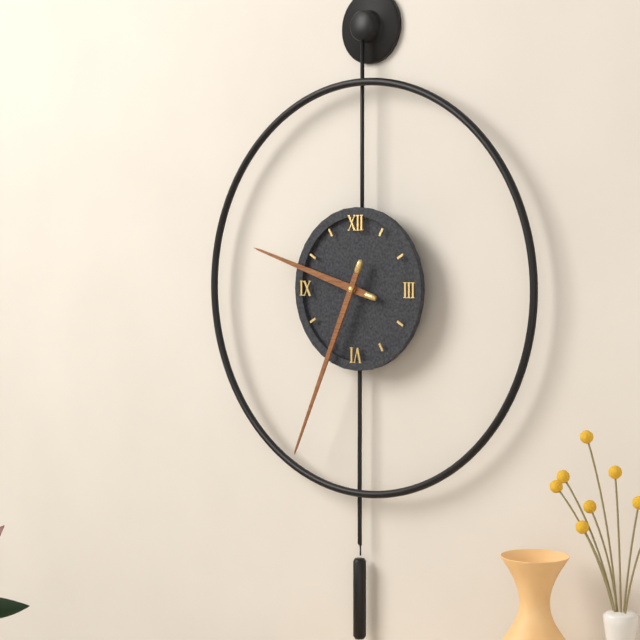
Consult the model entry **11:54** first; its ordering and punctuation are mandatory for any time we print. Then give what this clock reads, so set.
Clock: **9:34**
